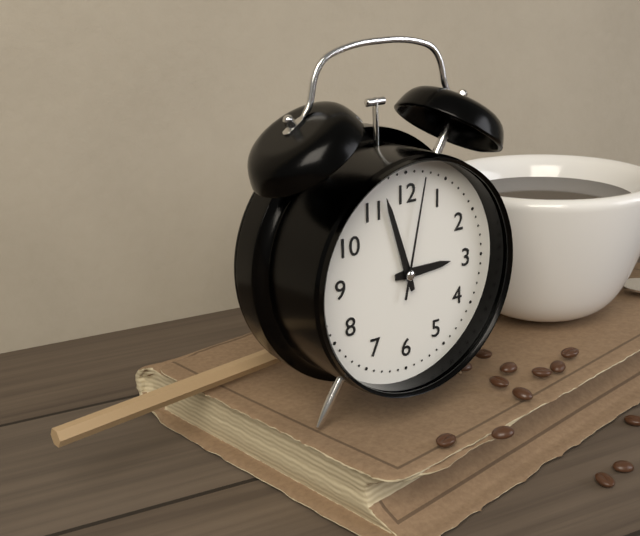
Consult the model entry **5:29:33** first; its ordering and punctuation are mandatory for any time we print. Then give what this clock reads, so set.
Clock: **2:57:02**
